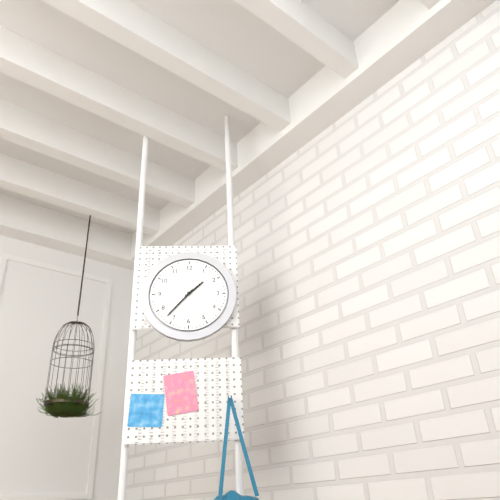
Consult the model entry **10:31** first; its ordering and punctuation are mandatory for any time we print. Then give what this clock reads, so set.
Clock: **1:37**
